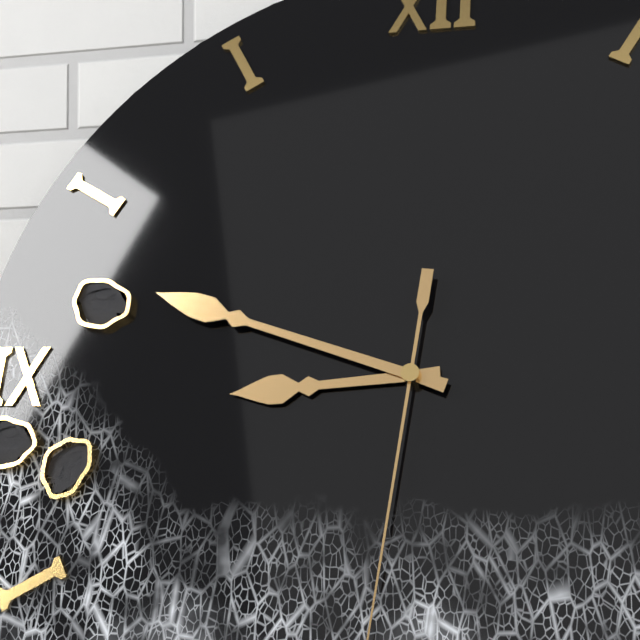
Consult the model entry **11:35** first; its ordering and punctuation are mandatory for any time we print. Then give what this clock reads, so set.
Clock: **8:48**
